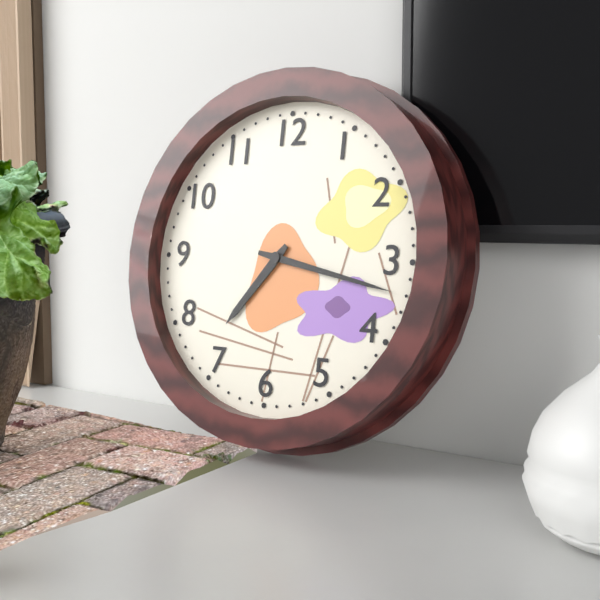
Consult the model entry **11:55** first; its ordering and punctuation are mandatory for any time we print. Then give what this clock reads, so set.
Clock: **7:17**
